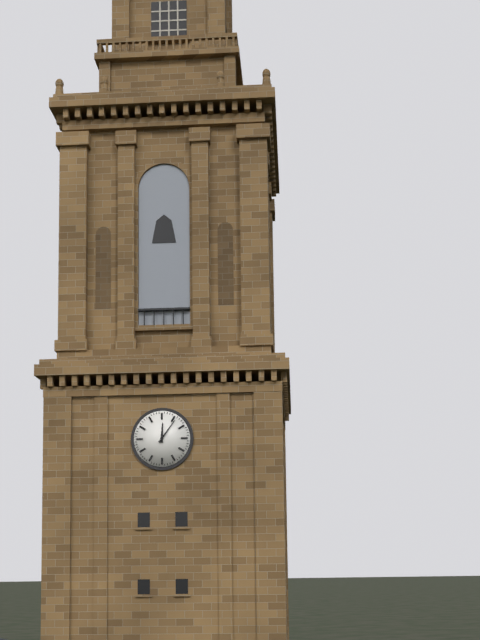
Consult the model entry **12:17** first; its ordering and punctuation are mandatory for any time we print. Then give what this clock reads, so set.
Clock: **12:06**
